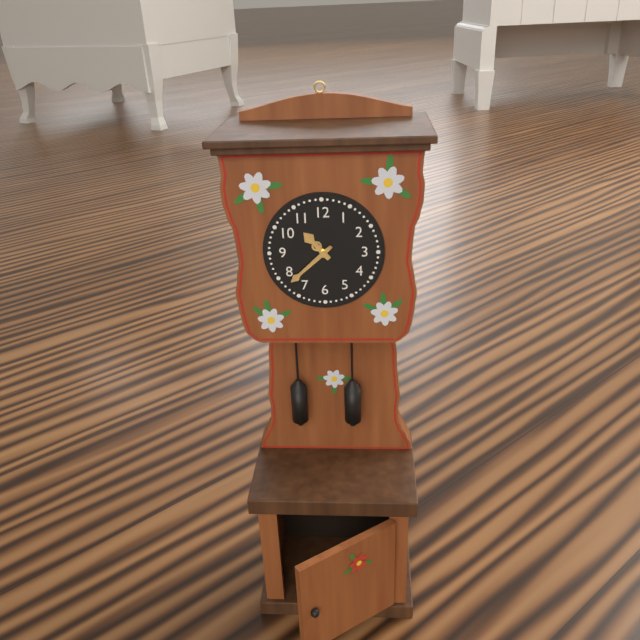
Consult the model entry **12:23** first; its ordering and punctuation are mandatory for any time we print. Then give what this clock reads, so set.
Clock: **10:38**
